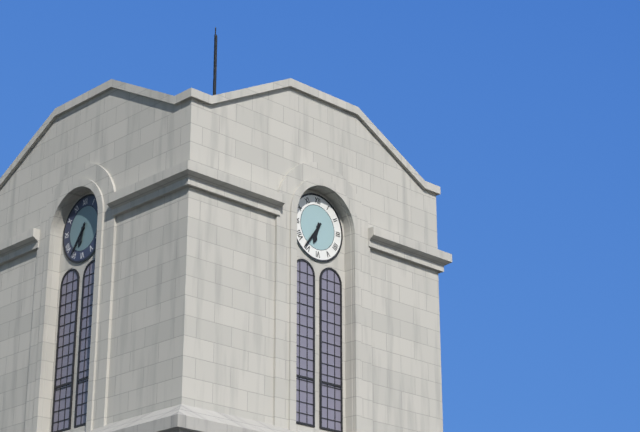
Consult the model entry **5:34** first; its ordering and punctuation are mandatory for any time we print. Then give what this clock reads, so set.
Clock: **6:36**
